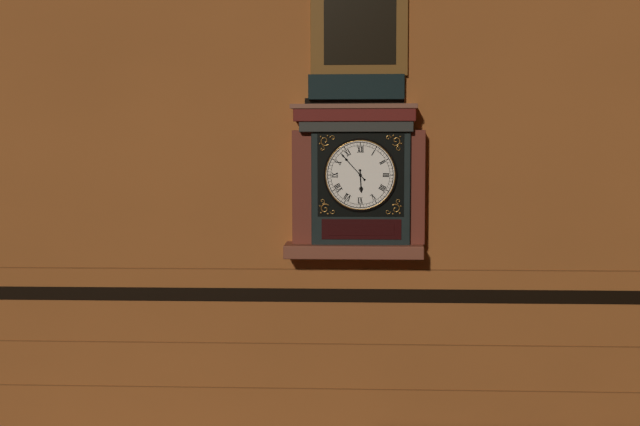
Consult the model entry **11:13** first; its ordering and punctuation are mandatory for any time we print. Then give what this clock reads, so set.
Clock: **5:53**
